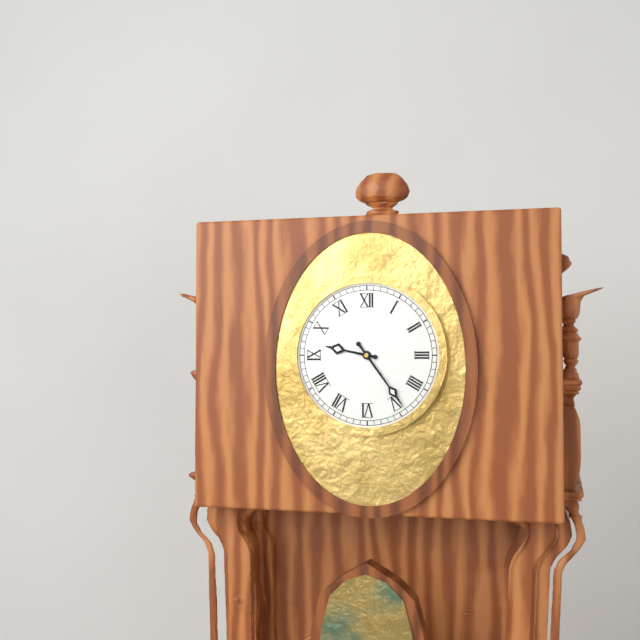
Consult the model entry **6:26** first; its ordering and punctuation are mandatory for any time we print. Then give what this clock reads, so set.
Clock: **9:24**
